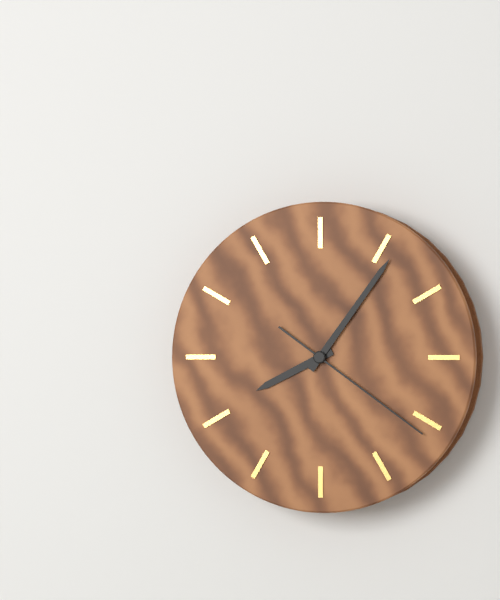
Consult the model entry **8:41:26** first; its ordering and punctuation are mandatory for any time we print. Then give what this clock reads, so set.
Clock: **8:06:21**
